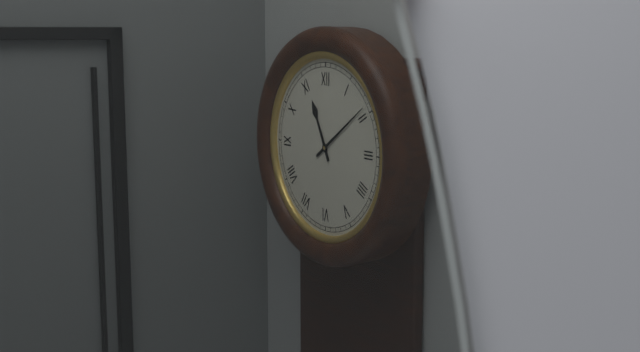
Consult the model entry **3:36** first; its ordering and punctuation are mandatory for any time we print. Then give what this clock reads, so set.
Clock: **11:09**
